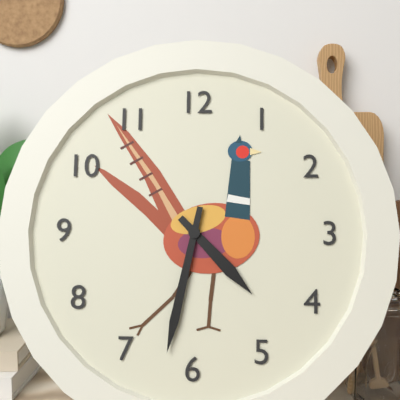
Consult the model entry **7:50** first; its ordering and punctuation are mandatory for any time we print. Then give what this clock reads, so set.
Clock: **4:32**
